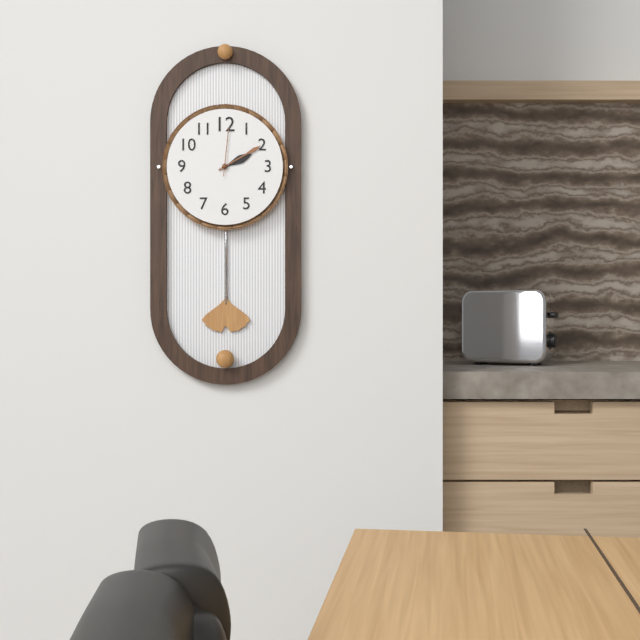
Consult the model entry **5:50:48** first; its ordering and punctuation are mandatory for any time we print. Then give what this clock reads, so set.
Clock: **2:10:01**
